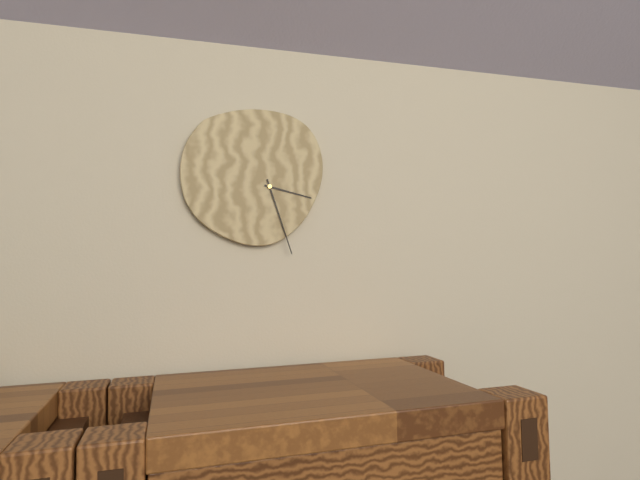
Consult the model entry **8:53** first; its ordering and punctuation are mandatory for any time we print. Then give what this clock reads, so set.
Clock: **3:27**
